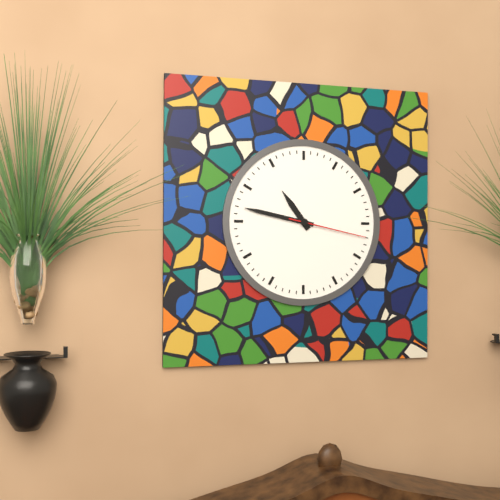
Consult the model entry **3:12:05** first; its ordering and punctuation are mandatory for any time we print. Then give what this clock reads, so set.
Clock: **10:47:17**
